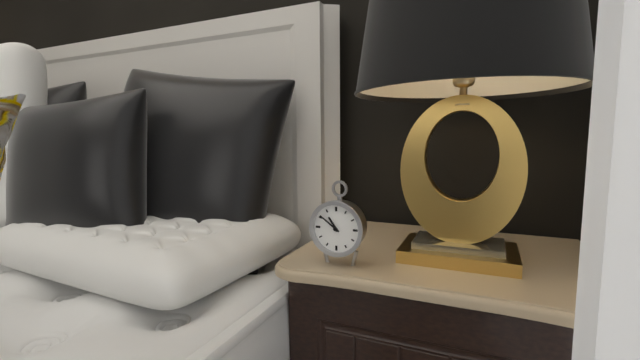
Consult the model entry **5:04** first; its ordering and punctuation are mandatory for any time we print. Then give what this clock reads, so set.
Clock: **10:51**
